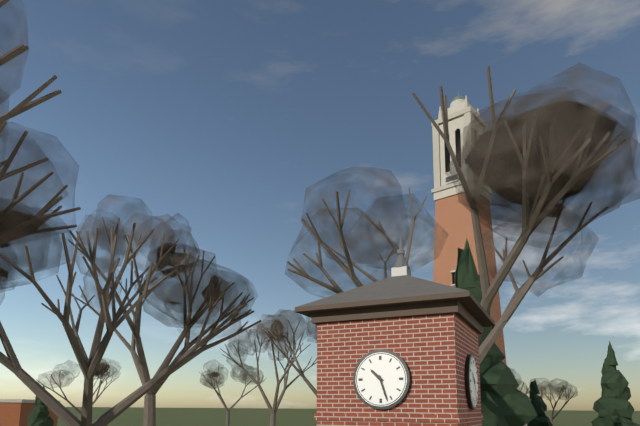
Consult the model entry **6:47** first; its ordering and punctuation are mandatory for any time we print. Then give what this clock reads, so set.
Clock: **10:27**
